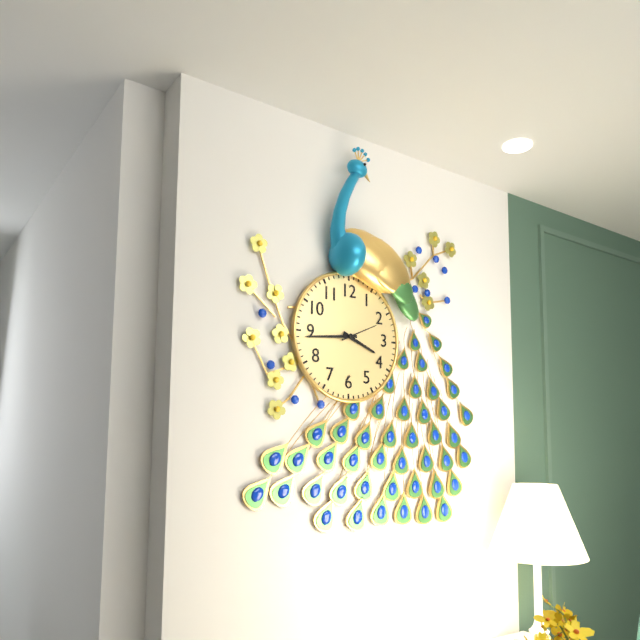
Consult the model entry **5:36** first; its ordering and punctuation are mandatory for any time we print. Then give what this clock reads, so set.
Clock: **3:44**
